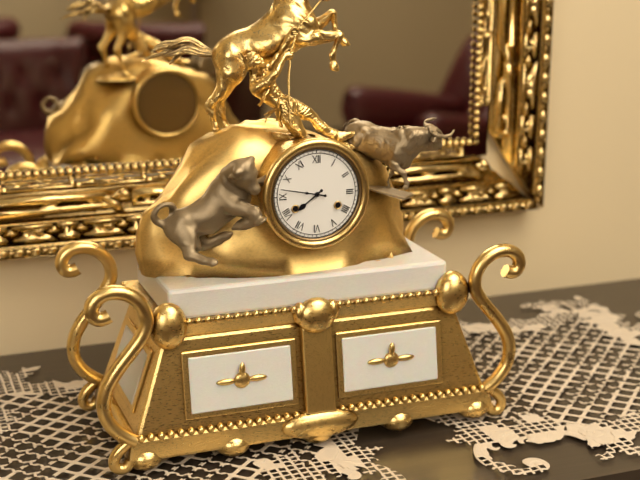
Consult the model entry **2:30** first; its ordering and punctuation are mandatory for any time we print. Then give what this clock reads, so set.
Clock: **7:47**
